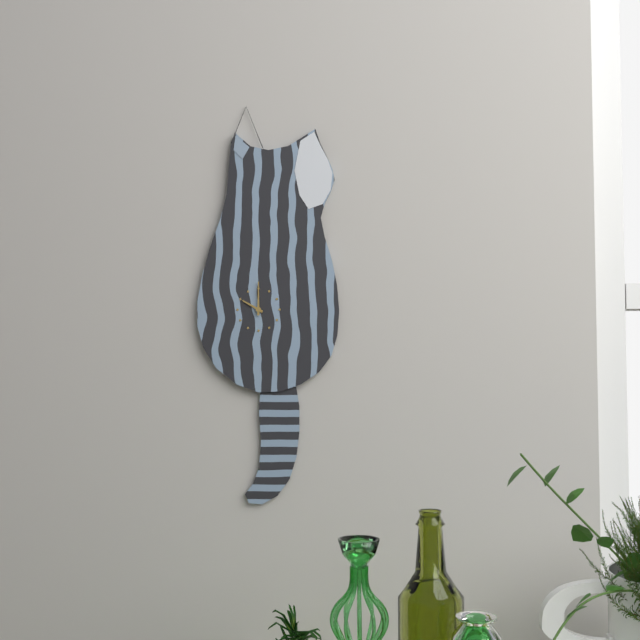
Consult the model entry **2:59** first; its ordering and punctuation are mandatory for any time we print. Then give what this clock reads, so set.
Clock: **10:00**
